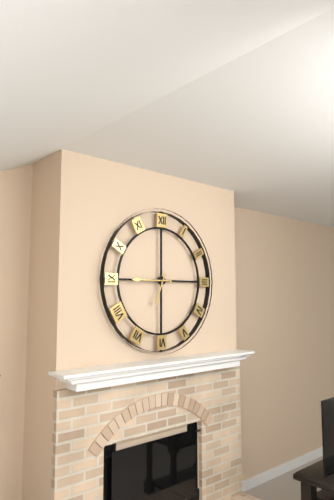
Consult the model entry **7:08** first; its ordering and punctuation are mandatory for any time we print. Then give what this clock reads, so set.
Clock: **6:45**
